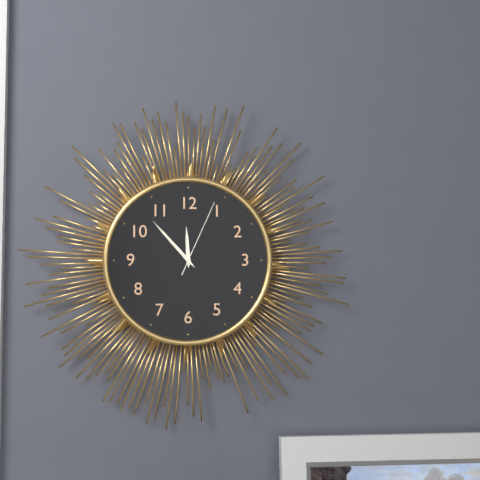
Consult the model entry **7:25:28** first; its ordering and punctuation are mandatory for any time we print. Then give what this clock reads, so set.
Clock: **11:53:04**
